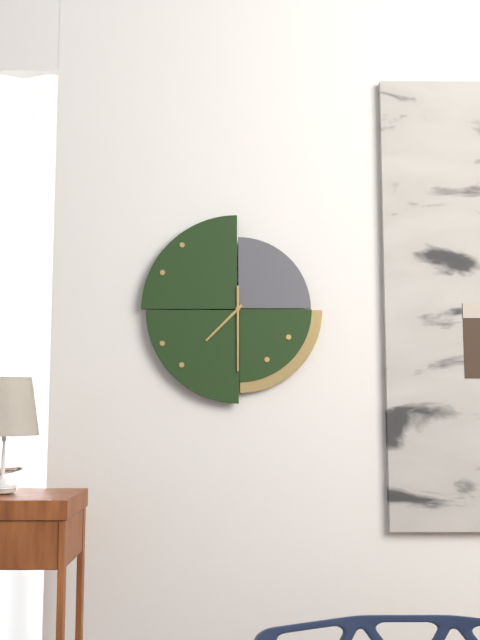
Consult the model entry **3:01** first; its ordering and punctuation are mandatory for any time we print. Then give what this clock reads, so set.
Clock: **7:30**
